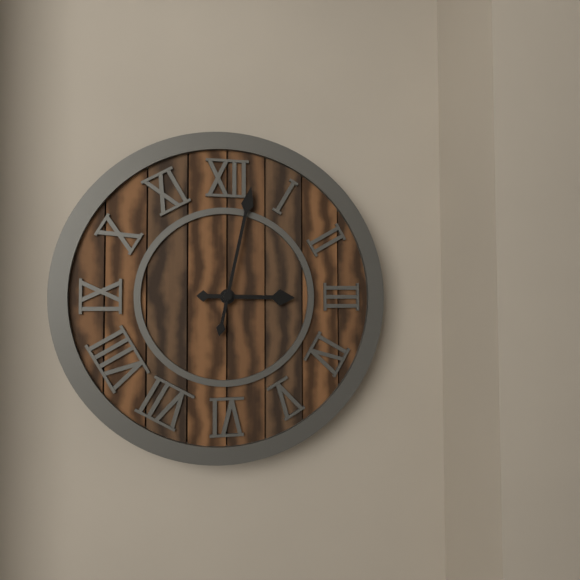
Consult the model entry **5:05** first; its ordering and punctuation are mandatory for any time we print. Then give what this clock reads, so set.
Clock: **3:02**
